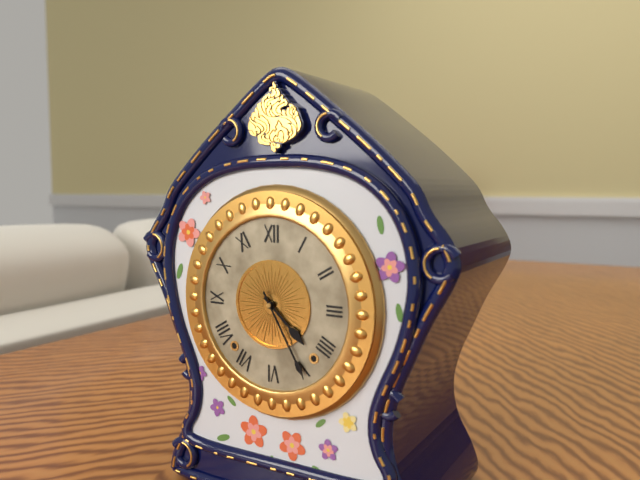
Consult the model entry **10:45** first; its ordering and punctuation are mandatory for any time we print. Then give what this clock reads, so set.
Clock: **4:25**
